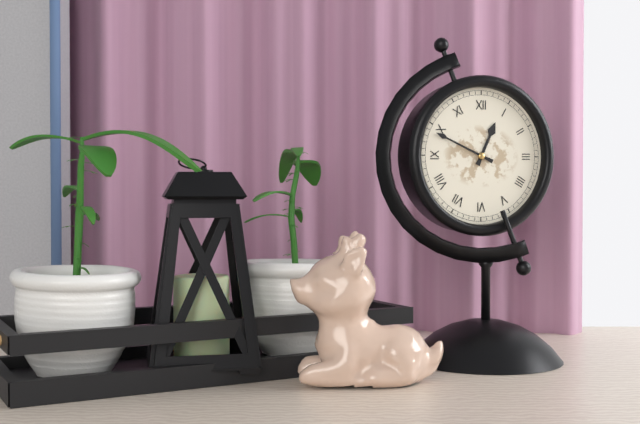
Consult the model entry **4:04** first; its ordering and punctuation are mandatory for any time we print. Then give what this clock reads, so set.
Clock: **12:49**
